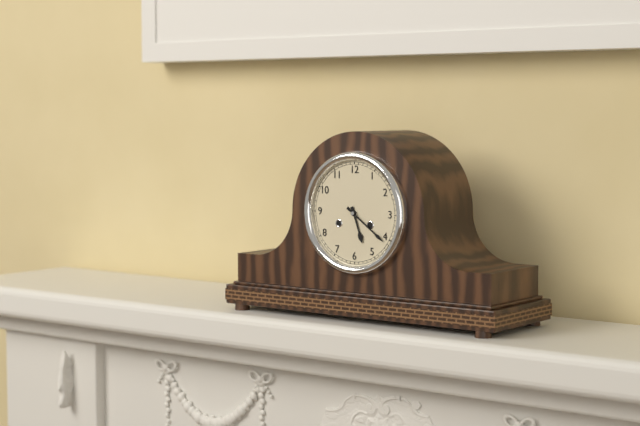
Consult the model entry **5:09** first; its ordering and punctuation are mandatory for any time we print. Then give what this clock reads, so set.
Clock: **5:21**
